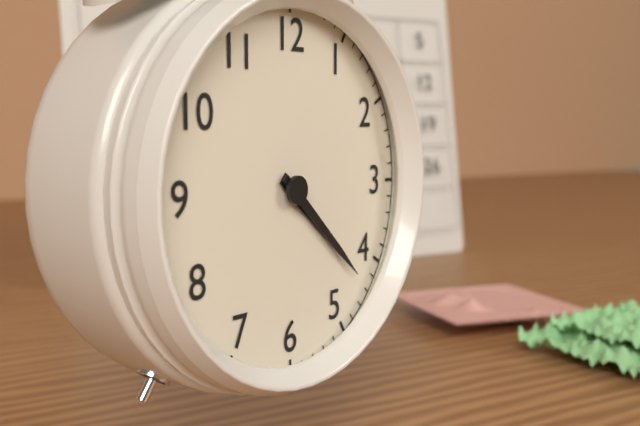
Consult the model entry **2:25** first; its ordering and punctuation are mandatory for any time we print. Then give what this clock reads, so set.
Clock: **4:22**
